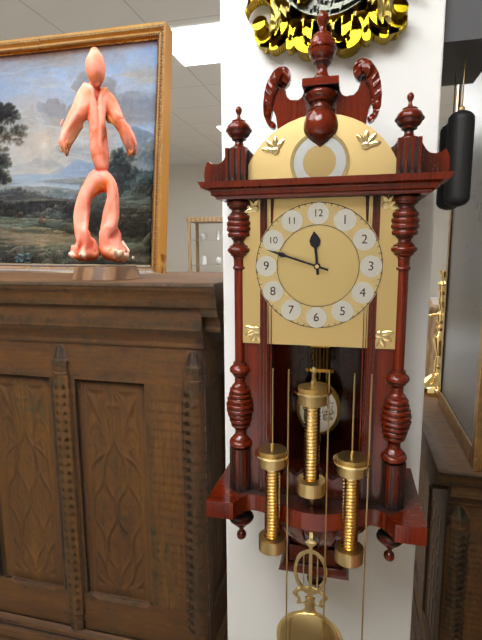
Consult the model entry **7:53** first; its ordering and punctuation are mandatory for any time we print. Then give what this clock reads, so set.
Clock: **11:48**
